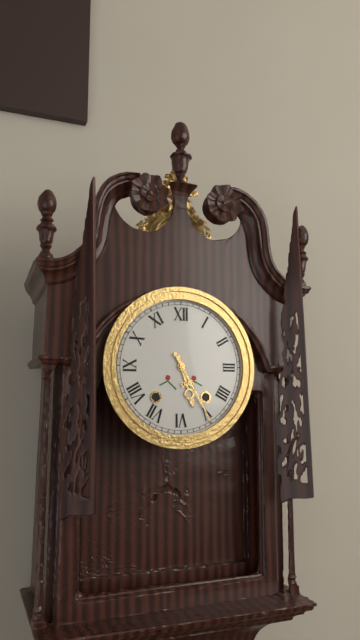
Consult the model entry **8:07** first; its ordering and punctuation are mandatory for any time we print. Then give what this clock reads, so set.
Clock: **5:25**
